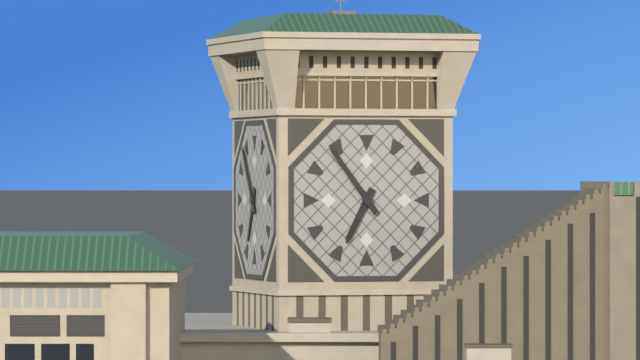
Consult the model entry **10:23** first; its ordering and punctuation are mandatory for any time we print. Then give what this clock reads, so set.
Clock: **6:54**
